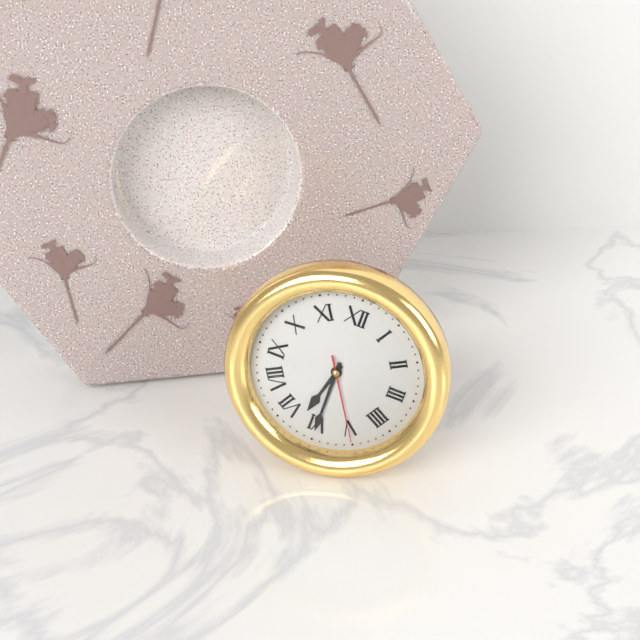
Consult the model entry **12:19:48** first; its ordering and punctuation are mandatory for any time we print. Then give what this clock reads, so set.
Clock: **6:30:25**
